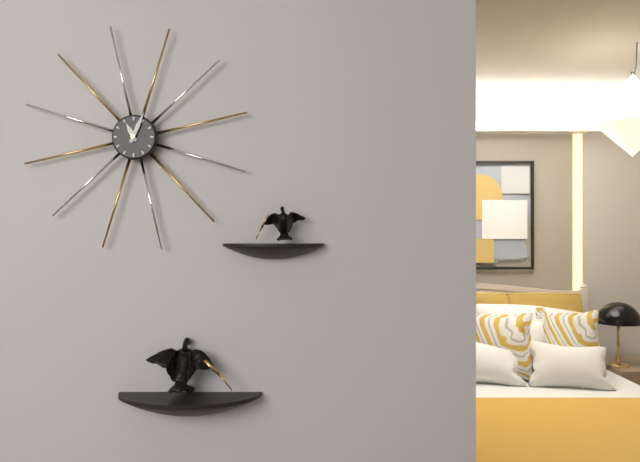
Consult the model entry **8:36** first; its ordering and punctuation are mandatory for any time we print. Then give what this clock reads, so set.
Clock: **11:04**
